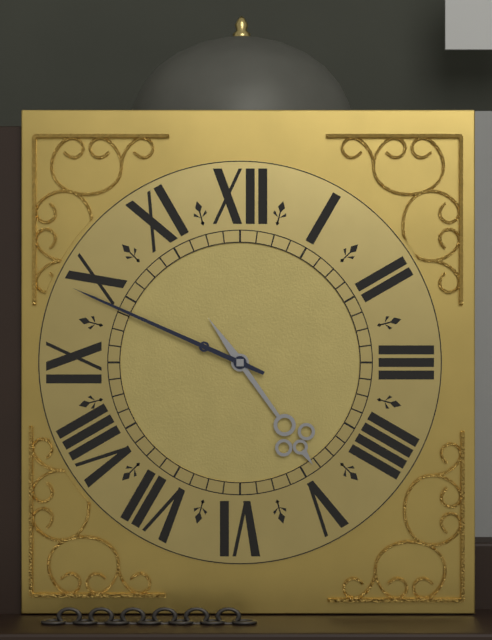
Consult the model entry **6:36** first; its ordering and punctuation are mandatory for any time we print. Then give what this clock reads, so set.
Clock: **4:49**
